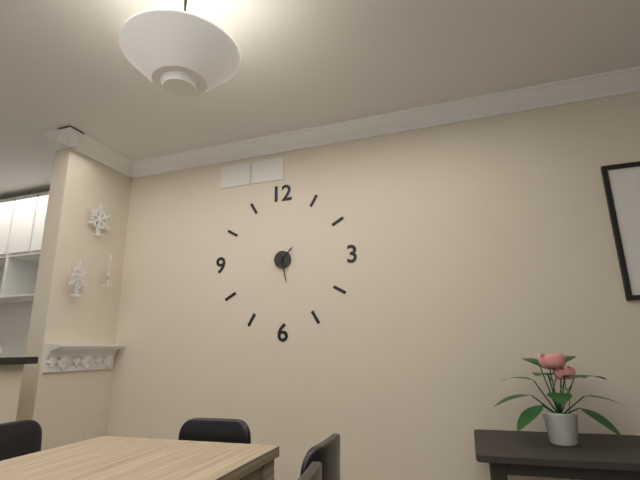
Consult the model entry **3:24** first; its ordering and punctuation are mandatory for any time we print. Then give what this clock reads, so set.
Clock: **1:28**
